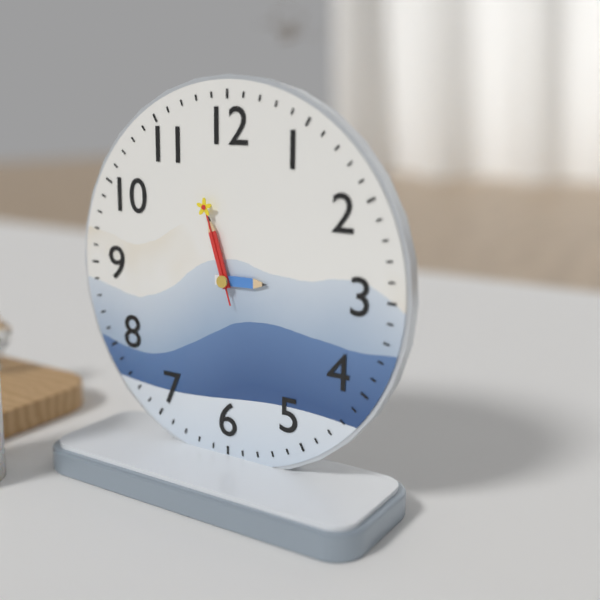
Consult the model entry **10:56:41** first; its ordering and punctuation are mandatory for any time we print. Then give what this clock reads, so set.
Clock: **2:57:57**
